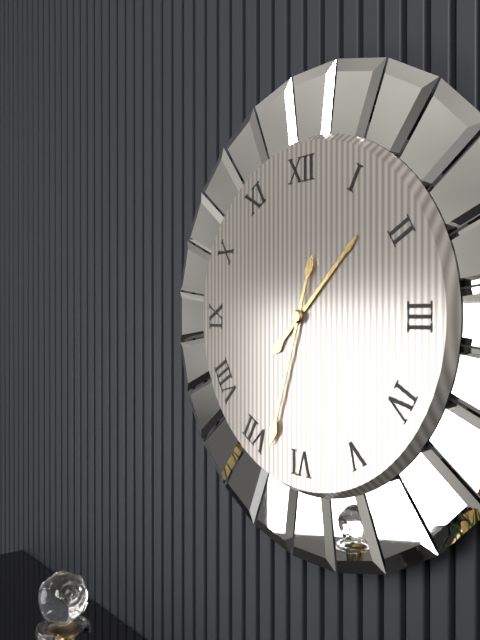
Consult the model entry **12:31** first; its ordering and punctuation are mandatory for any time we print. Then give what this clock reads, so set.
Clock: **1:33**
